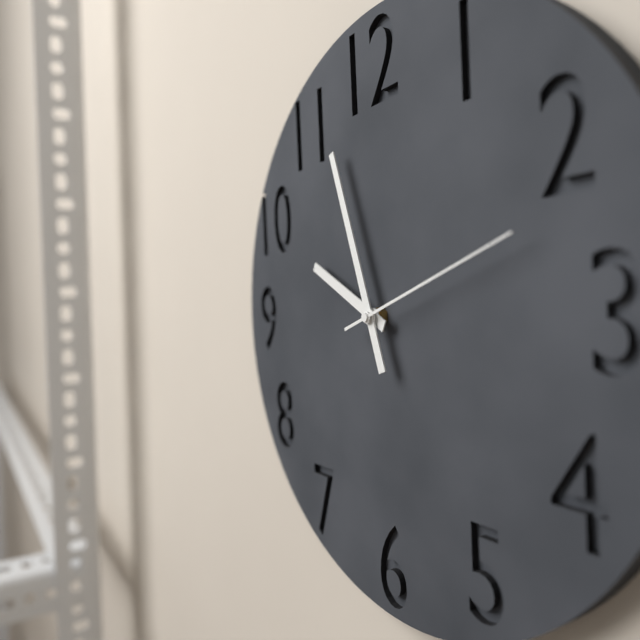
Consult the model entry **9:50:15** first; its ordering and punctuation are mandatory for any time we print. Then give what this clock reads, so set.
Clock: **9:57:12**
